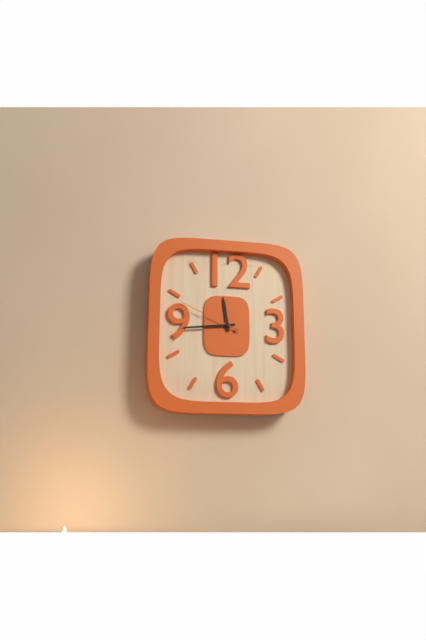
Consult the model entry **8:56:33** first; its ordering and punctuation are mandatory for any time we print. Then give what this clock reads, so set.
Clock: **11:44:49**
